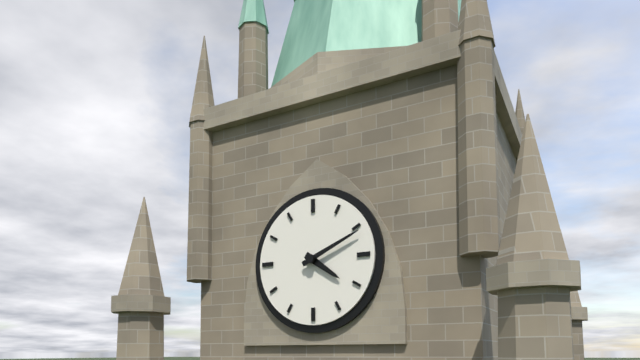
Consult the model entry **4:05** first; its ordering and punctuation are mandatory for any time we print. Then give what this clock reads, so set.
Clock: **4:11**
